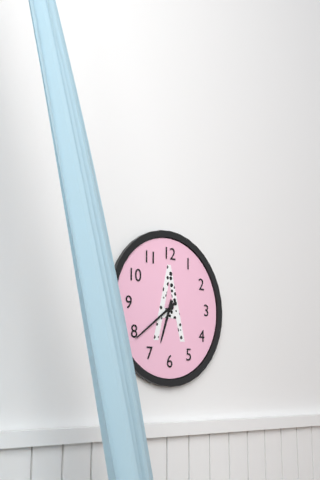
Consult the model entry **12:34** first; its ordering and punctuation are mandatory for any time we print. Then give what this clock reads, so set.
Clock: **6:39**
